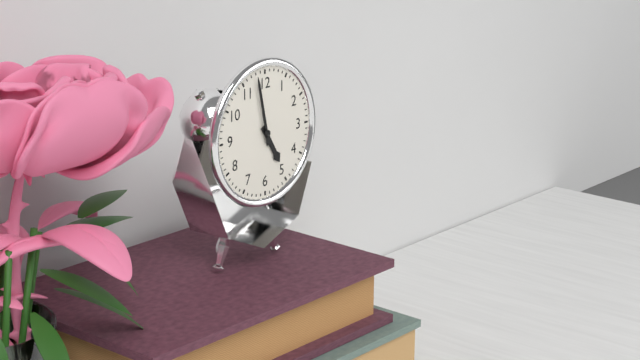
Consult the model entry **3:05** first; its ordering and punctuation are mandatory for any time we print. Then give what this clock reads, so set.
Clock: **4:58**
